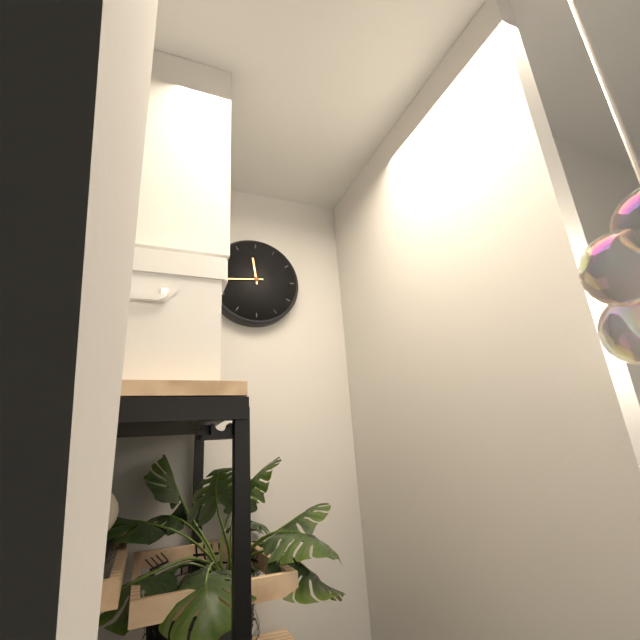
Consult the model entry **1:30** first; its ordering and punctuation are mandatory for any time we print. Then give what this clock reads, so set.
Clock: **11:44**
